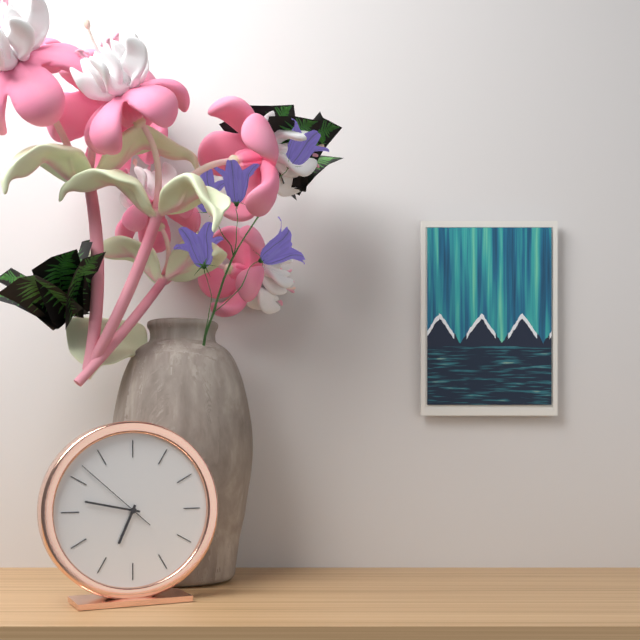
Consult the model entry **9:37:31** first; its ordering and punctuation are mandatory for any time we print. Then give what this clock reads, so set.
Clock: **6:47:52**
